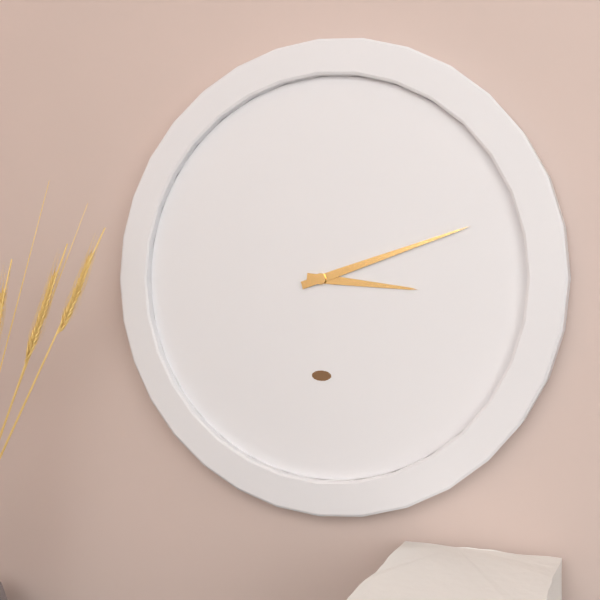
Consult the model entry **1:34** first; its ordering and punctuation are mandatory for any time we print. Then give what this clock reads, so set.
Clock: **3:12**
